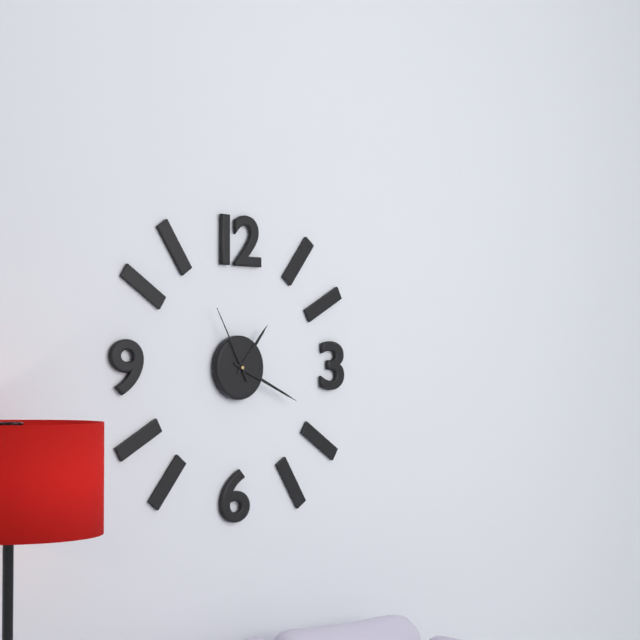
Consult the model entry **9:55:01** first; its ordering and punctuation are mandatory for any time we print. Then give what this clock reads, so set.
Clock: **1:19:55**
